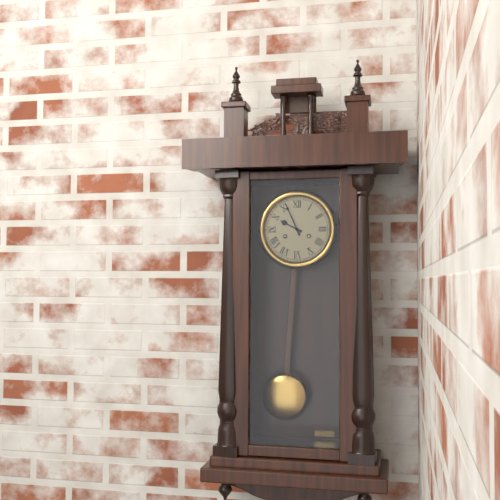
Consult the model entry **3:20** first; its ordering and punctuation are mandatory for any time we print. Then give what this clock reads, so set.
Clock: **9:56**
